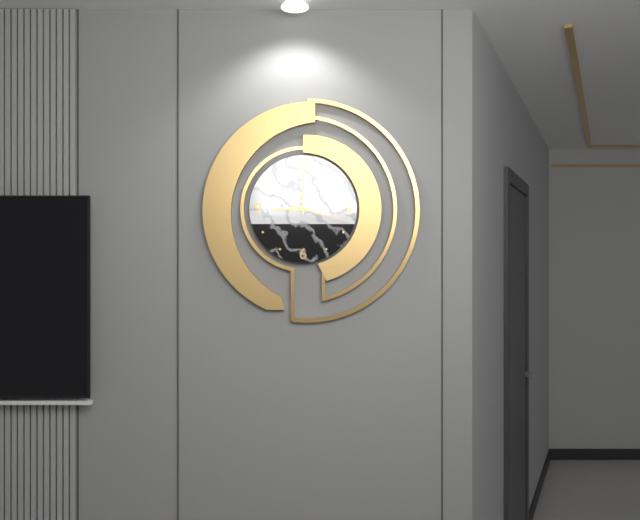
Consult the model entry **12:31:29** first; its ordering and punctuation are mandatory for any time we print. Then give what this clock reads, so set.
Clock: **9:00:18**
